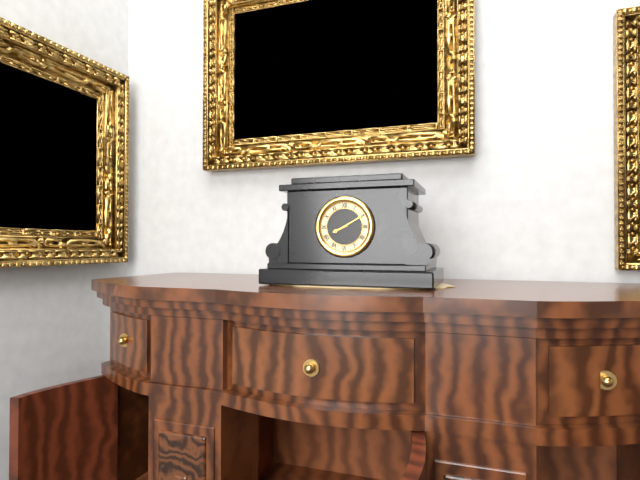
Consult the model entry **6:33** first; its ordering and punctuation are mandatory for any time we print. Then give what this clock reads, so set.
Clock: **8:10**
